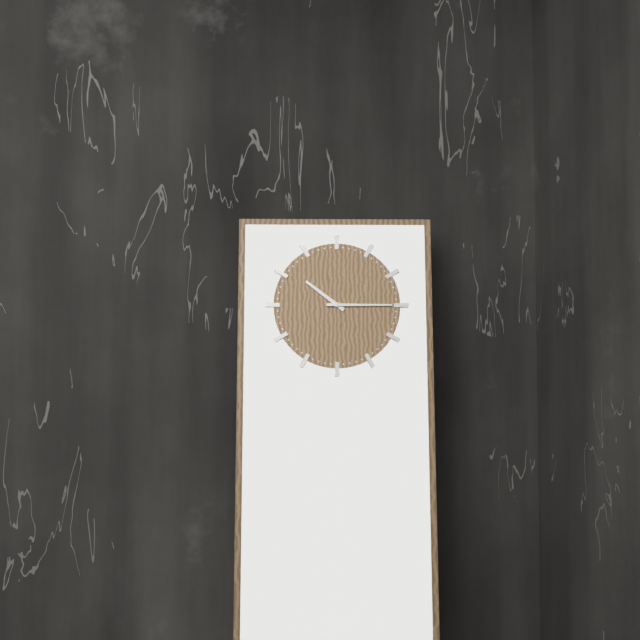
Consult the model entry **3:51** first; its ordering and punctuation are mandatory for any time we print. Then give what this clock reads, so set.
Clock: **10:15**
